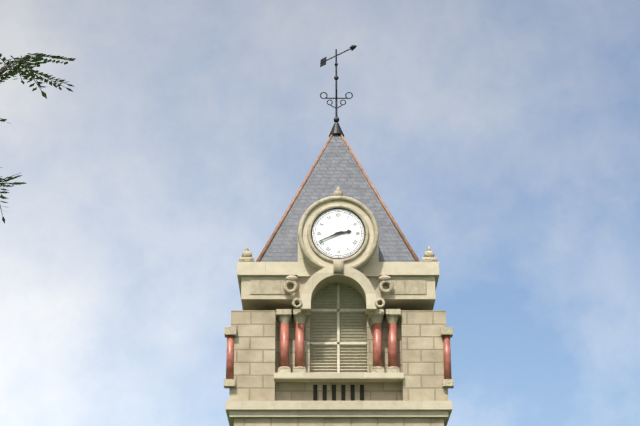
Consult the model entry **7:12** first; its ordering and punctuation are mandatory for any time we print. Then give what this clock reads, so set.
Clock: **2:41**
